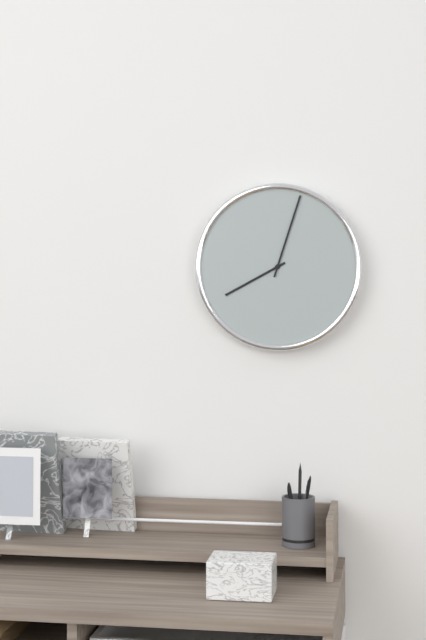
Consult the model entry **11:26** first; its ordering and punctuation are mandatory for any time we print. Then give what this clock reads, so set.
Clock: **8:03**
